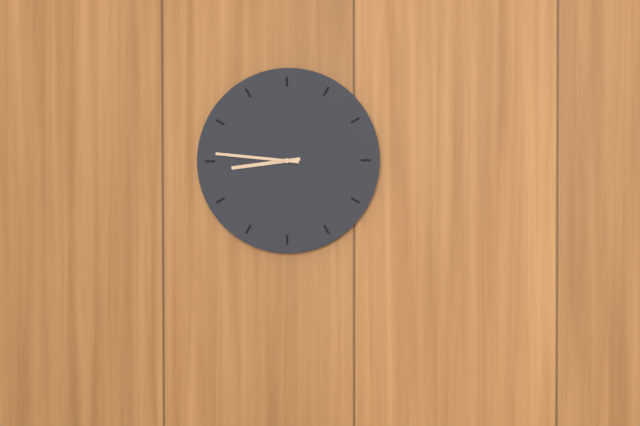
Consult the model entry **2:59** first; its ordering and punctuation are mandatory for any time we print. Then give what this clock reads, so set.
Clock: **8:46**
